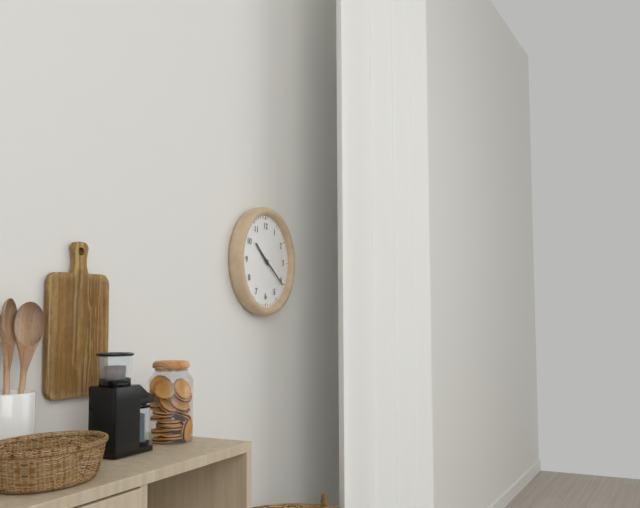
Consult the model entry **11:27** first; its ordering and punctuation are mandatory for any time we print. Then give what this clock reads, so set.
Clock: **10:21**
